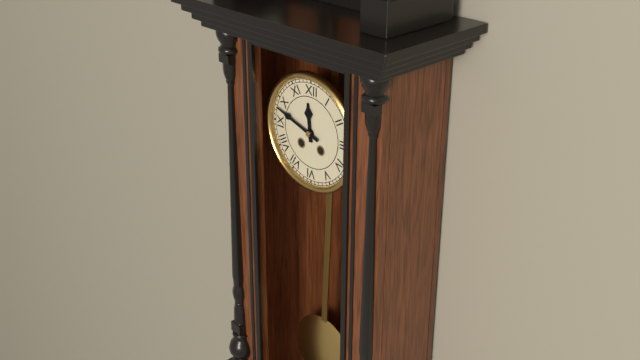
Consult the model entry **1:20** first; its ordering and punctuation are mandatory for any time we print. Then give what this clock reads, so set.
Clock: **11:48**
